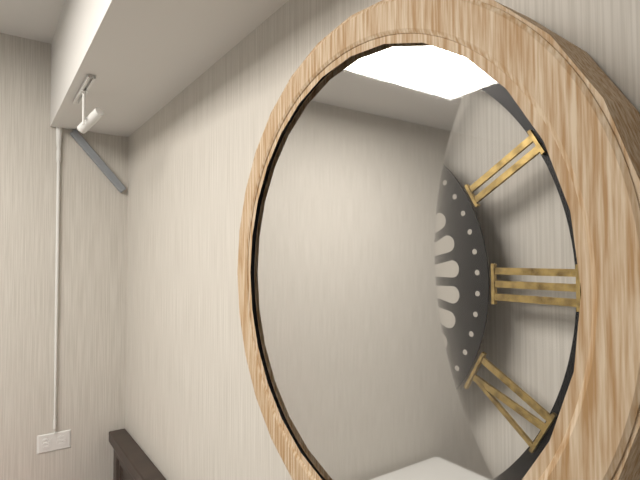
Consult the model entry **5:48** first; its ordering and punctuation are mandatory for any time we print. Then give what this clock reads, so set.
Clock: **11:49**
